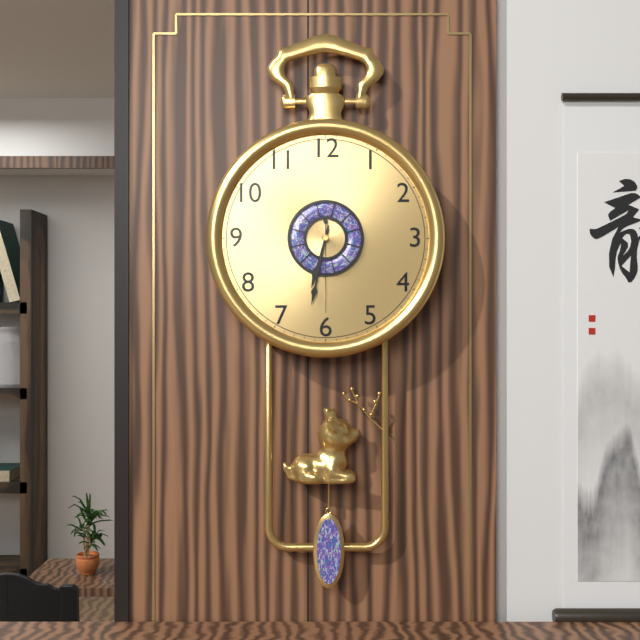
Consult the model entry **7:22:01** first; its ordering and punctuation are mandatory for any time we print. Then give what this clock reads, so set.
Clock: **6:32:30**
